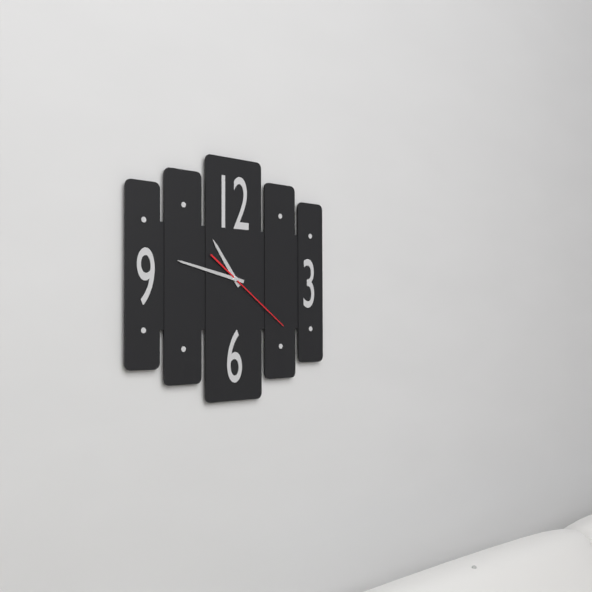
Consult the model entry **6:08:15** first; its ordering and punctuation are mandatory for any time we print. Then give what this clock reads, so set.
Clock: **10:47:21**
